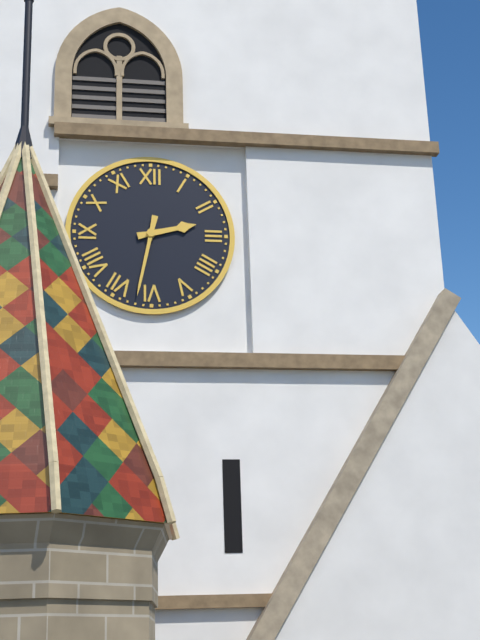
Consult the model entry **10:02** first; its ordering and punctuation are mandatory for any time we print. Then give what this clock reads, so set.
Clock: **2:32**
